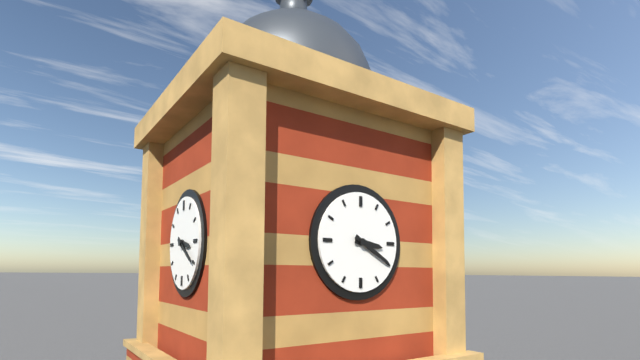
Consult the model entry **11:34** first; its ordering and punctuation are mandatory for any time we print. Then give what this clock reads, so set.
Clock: **3:20**
